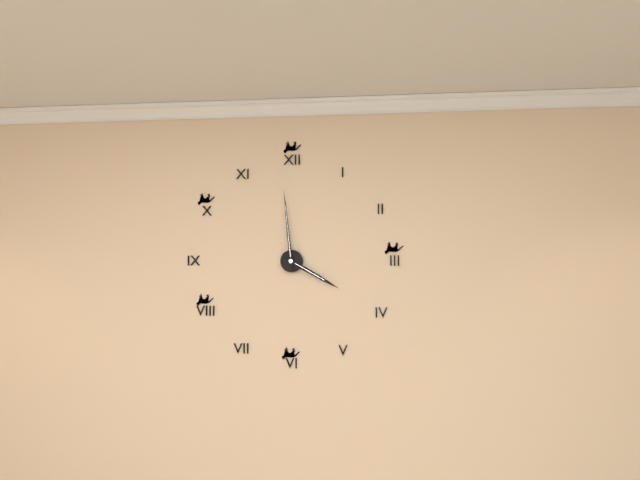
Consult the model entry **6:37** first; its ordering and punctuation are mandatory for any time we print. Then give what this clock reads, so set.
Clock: **3:59**
